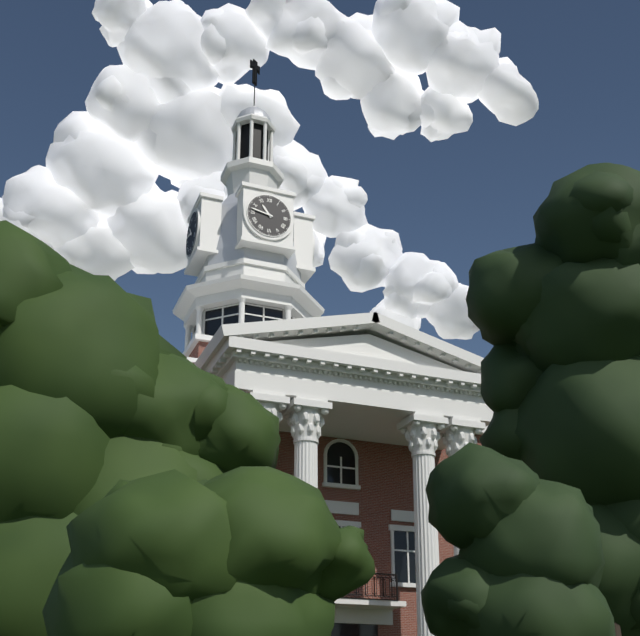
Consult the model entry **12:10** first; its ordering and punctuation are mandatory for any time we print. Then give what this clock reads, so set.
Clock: **10:47**
